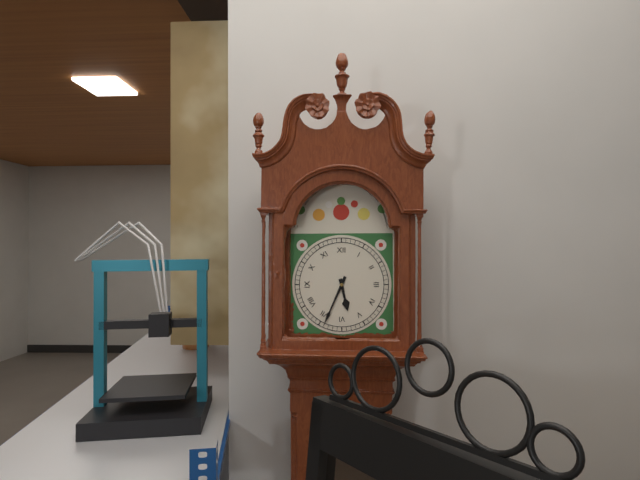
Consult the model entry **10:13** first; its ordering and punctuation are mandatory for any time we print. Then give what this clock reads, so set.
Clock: **5:34**
